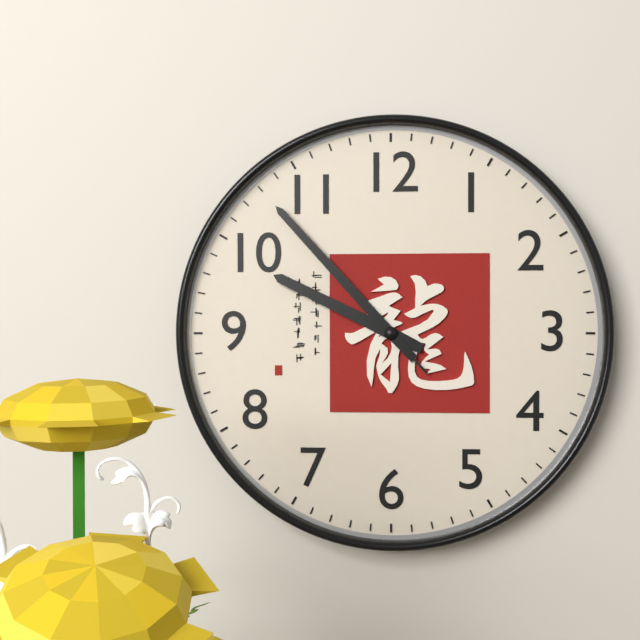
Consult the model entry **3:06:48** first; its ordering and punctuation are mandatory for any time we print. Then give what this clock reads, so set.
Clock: **9:53:53**
